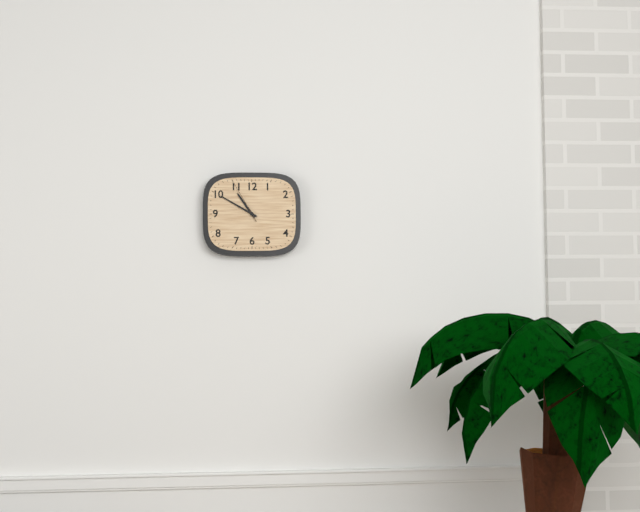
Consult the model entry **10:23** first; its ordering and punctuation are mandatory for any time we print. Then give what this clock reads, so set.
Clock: **10:50**
